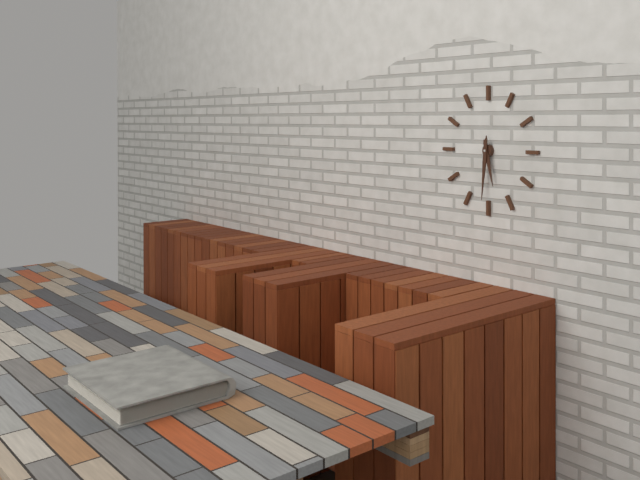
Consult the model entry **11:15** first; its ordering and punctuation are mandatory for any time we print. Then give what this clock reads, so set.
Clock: **5:31**
